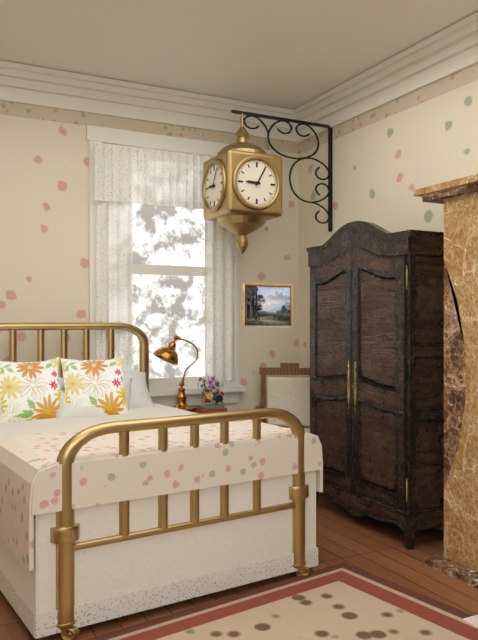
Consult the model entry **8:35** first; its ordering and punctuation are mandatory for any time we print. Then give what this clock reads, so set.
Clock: **9:05**
